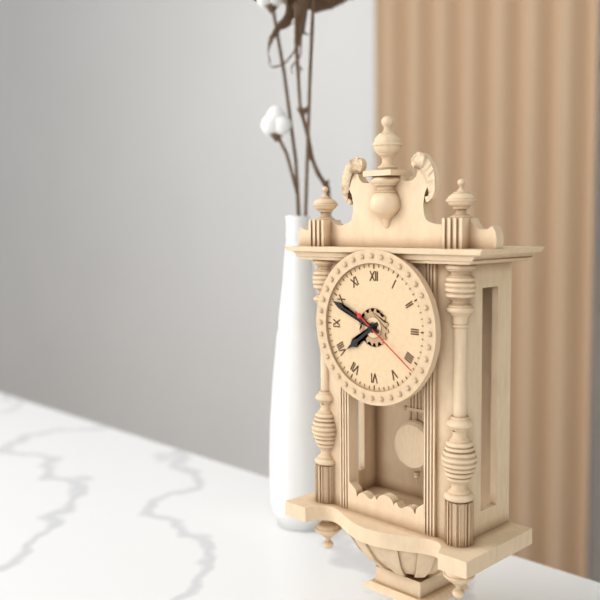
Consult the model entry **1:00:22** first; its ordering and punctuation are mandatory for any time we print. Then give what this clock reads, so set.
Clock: **7:49:21**
